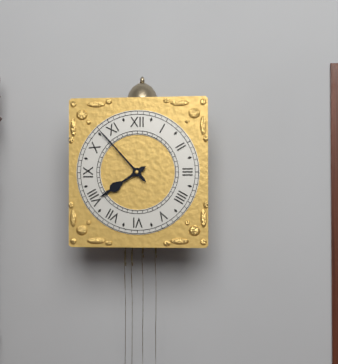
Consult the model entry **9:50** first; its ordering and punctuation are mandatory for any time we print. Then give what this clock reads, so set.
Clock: **7:53**
